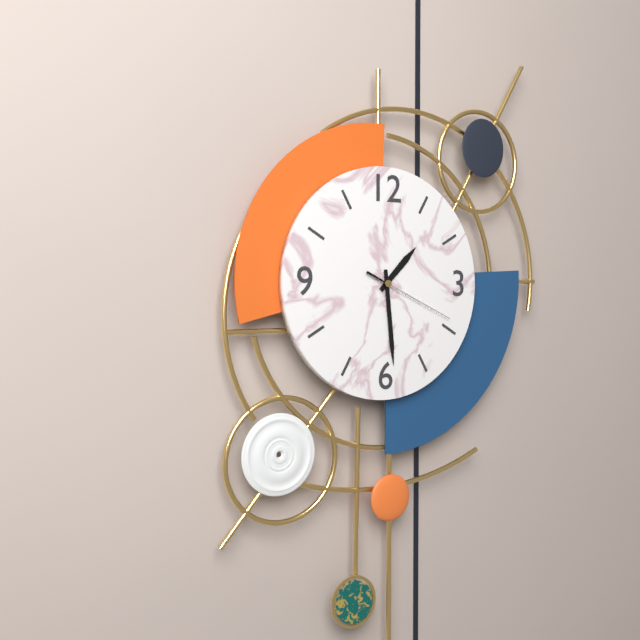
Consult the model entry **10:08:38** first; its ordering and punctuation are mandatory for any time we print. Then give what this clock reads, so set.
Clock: **1:29:19**
